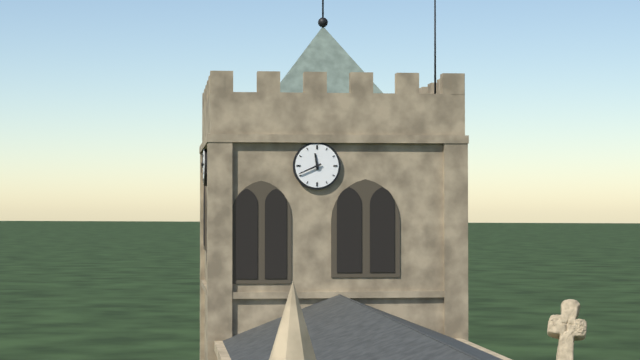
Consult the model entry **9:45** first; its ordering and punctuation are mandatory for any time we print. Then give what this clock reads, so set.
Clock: **11:41**
